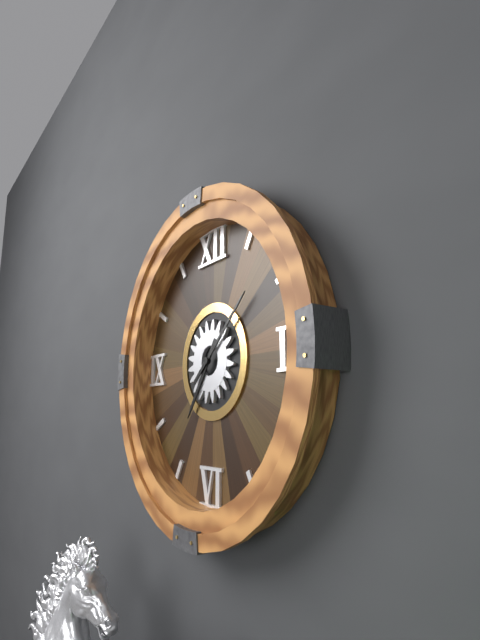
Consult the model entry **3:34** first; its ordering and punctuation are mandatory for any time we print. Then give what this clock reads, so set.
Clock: **7:08**
